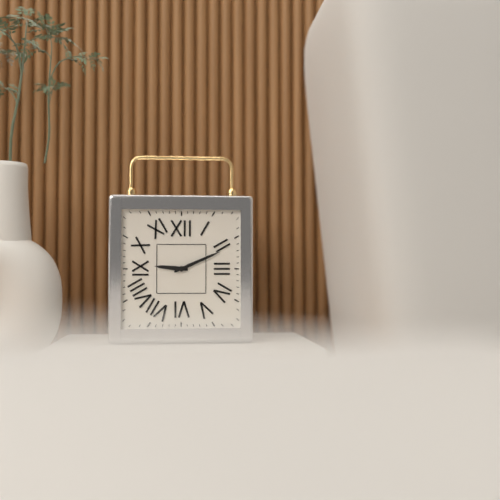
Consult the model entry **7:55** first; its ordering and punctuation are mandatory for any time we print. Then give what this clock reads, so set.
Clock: **9:11**
